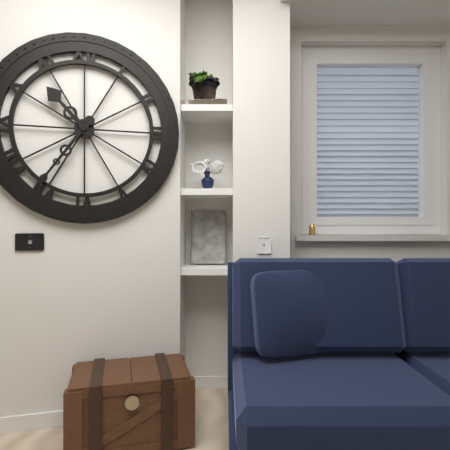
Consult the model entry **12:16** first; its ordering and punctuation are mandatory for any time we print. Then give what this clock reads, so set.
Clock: **10:36**
